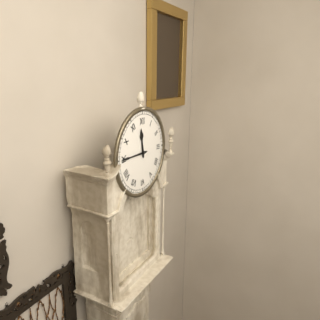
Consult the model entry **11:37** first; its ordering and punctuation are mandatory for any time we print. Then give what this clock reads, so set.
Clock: **11:45**
